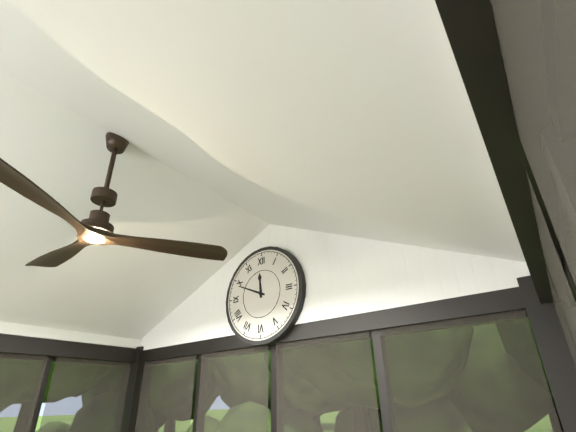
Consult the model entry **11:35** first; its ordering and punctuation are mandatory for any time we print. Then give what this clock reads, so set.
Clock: **11:49**
